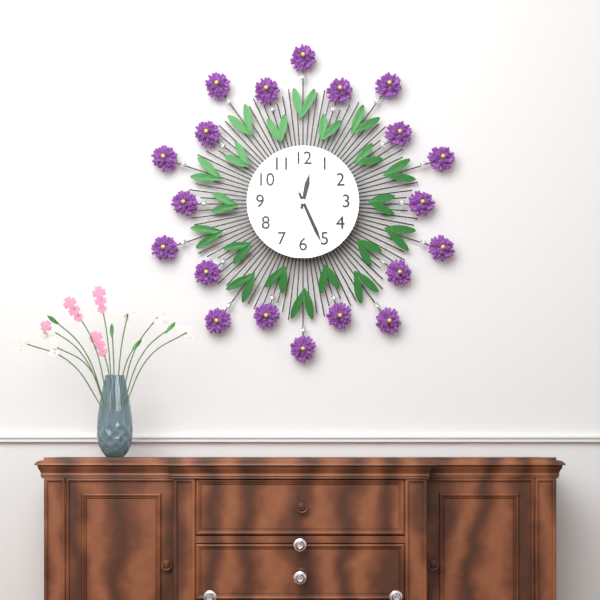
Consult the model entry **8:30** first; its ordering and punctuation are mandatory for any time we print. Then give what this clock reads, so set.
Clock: **12:26**
